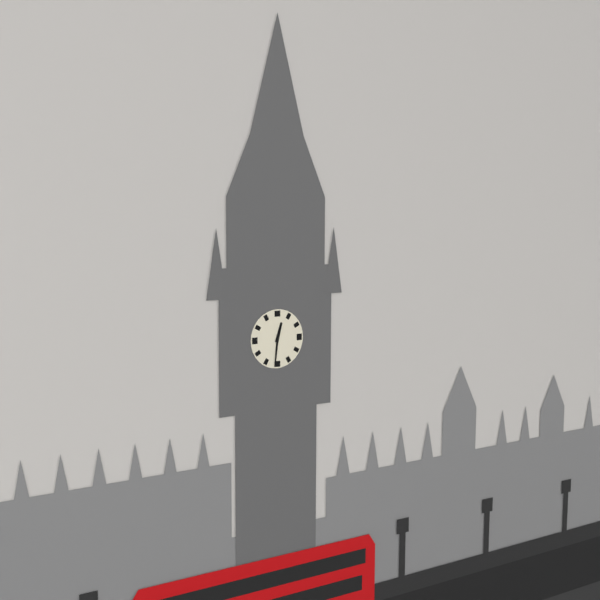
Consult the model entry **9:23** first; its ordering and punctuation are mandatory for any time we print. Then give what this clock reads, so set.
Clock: **12:31**
